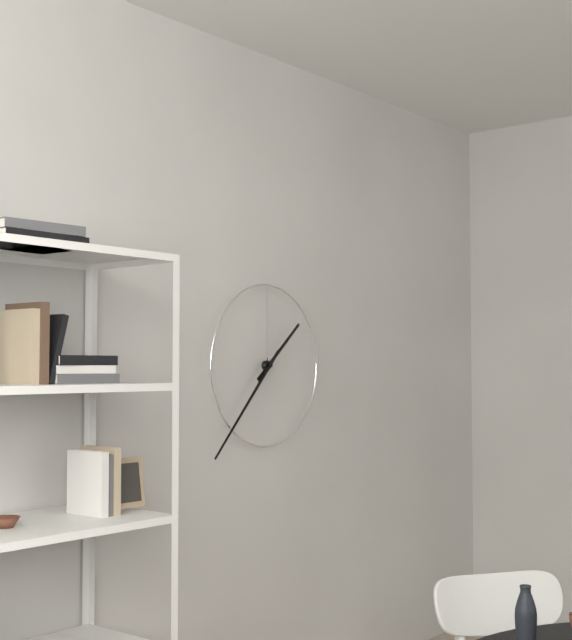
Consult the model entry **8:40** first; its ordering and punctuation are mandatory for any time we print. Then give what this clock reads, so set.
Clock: **1:37**
